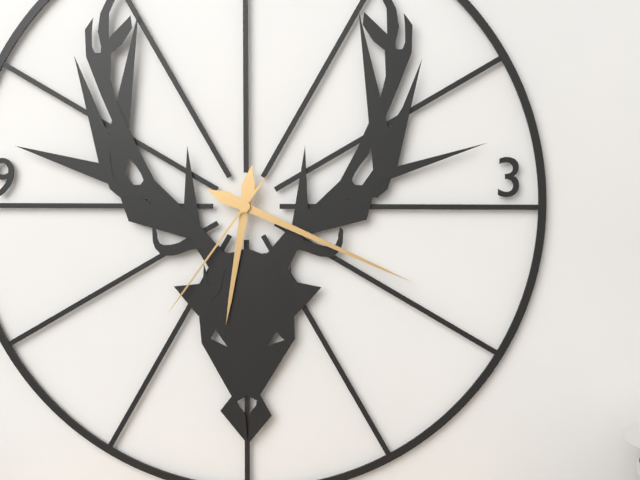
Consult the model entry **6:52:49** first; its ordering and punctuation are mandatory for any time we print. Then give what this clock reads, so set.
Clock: **6:19:36**
